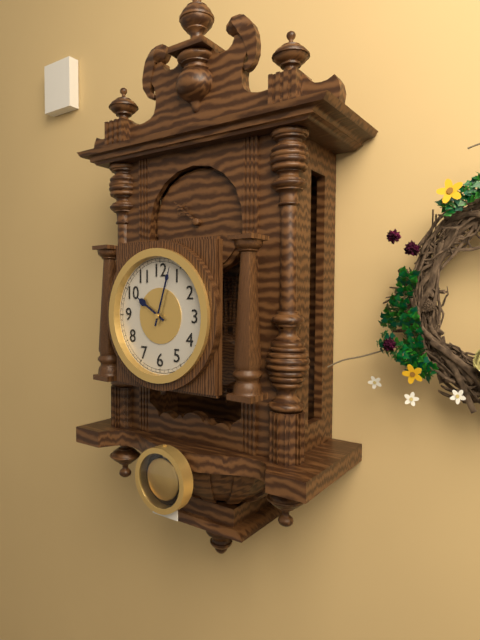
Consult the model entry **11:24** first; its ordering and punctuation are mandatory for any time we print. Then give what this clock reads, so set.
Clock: **10:03**
